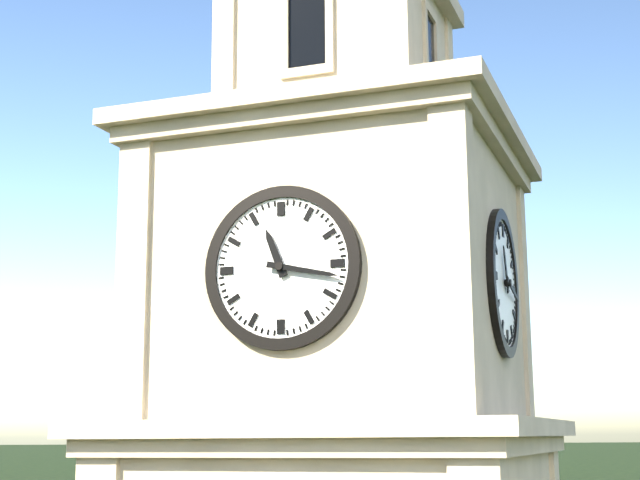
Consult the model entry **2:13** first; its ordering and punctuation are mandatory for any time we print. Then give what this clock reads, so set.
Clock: **11:17**
